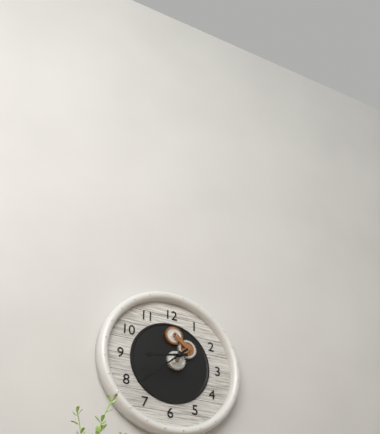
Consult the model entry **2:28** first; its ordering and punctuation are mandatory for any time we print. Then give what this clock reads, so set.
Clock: **8:38**
